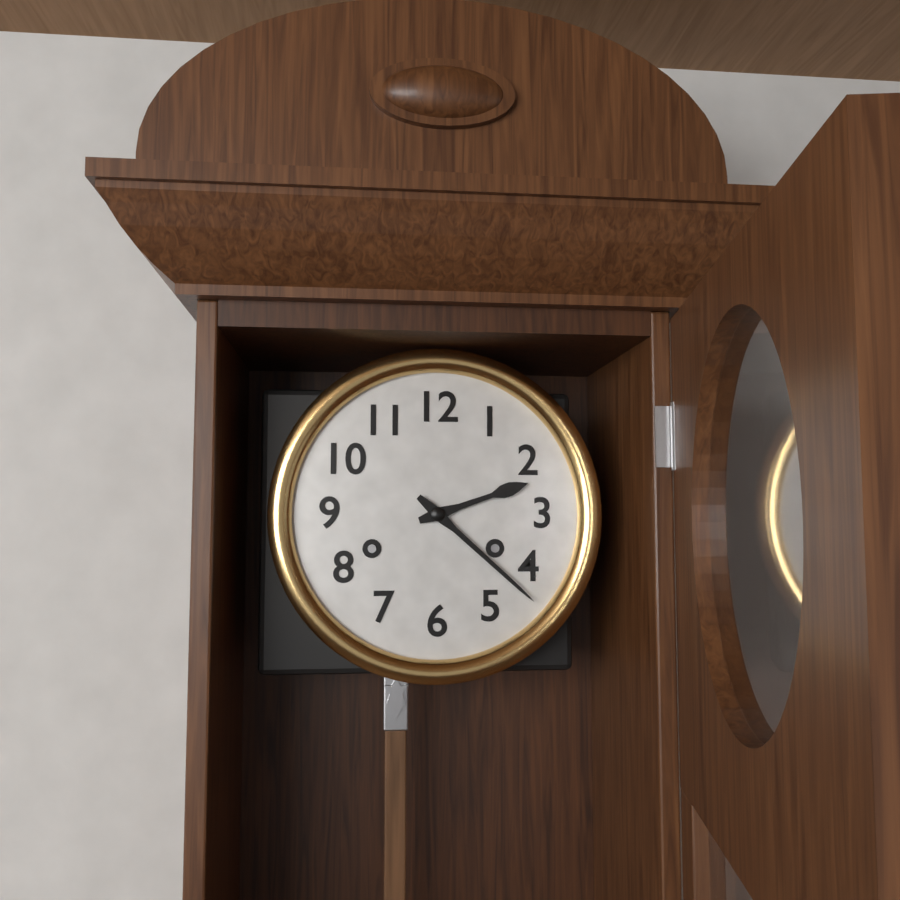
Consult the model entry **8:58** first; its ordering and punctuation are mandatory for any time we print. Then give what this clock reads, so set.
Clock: **2:22**
